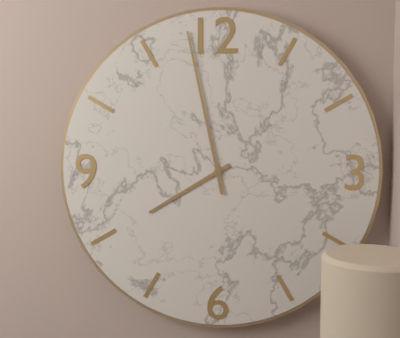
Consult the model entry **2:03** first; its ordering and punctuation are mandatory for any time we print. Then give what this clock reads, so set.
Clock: **7:58**
